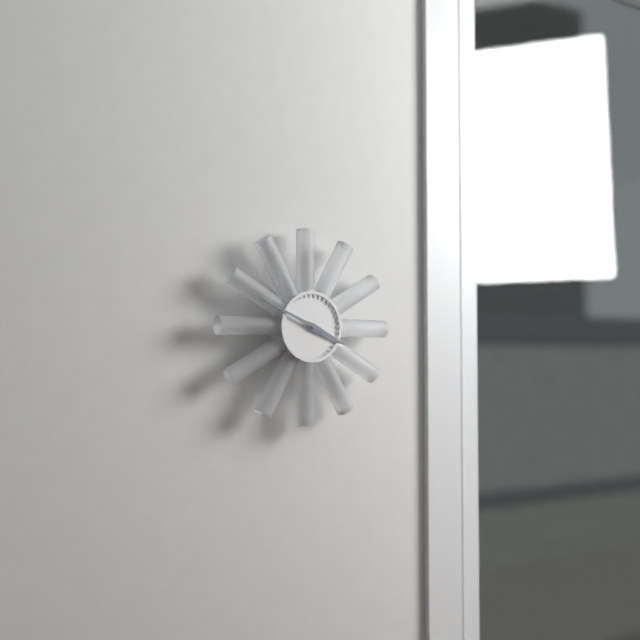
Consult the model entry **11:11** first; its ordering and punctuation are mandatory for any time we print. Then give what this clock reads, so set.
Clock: **3:49**
